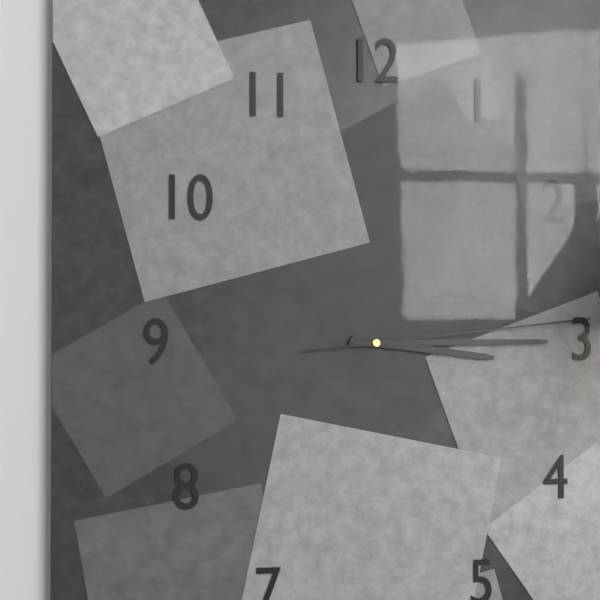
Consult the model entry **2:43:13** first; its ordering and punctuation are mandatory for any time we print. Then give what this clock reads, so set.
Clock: **3:15:14**
